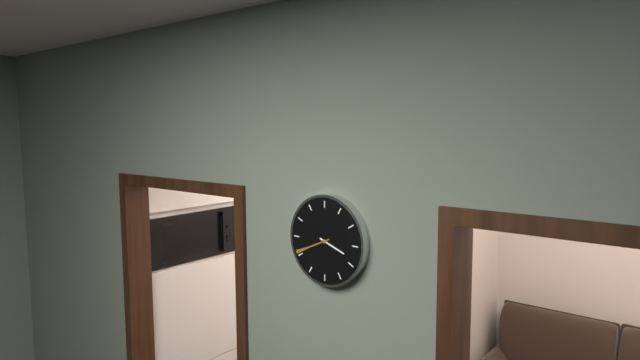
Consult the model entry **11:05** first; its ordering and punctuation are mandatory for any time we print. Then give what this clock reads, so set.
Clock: **3:41**
